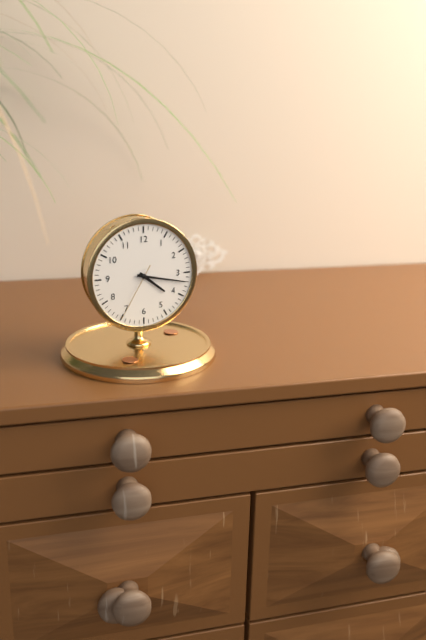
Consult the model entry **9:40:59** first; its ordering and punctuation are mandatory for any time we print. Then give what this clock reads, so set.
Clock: **4:17:35**
